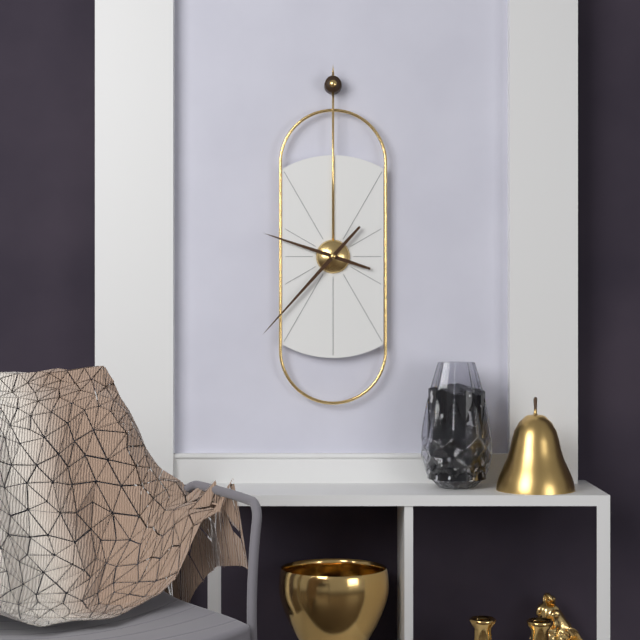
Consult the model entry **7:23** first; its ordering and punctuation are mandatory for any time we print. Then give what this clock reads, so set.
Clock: **9:37**
